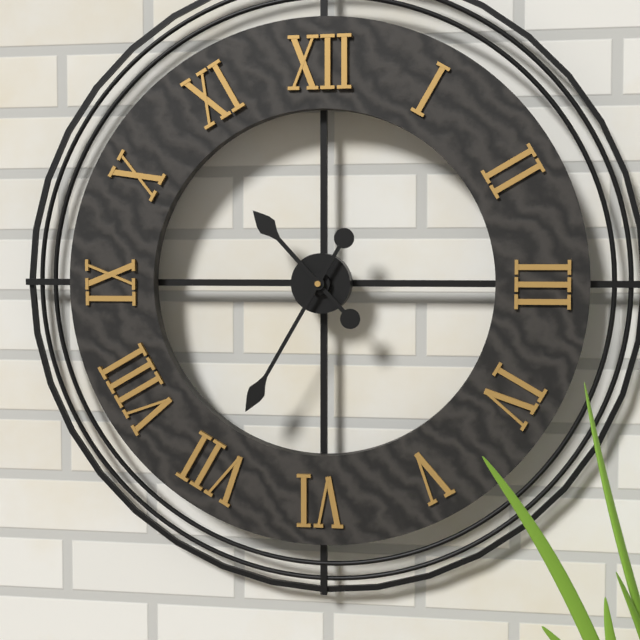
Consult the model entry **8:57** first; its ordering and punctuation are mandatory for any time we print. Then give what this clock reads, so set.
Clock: **10:35**
